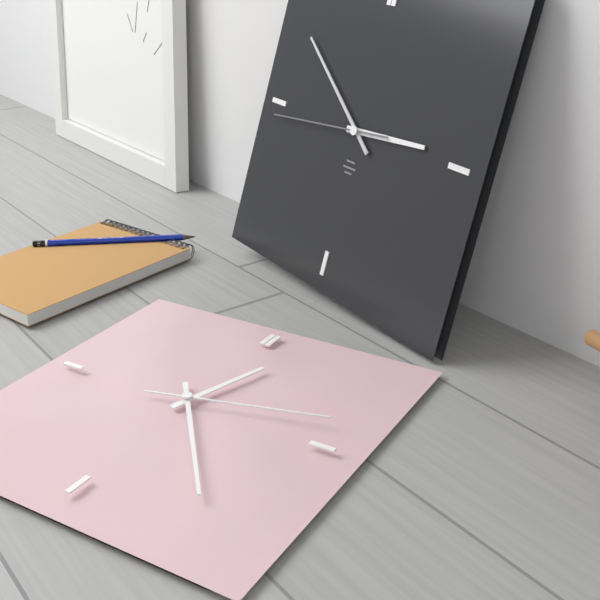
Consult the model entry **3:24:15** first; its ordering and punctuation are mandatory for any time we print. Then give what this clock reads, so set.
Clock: **2:51:44**
